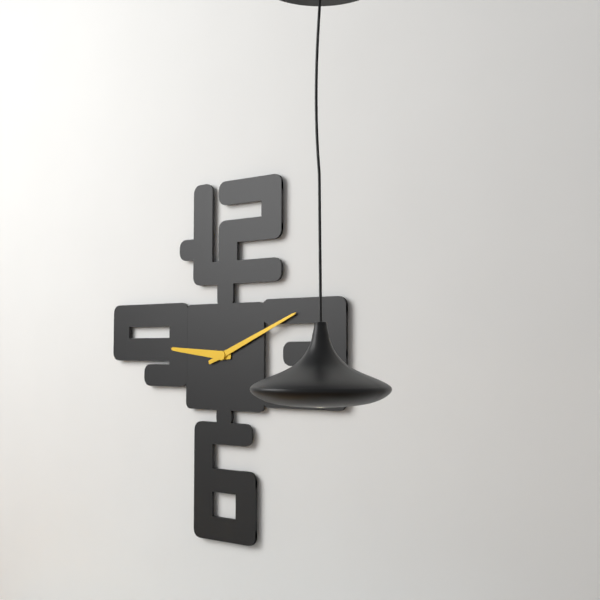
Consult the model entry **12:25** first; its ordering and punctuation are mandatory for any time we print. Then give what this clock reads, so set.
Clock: **9:11**
